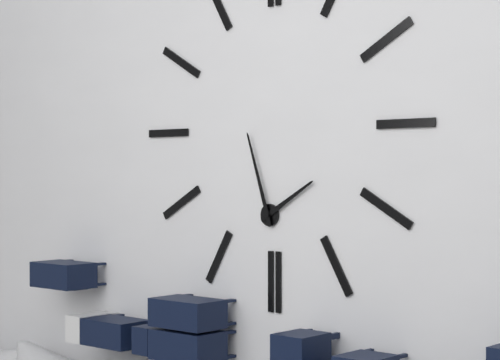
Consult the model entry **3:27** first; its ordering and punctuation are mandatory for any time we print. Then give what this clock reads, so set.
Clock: **1:57**
